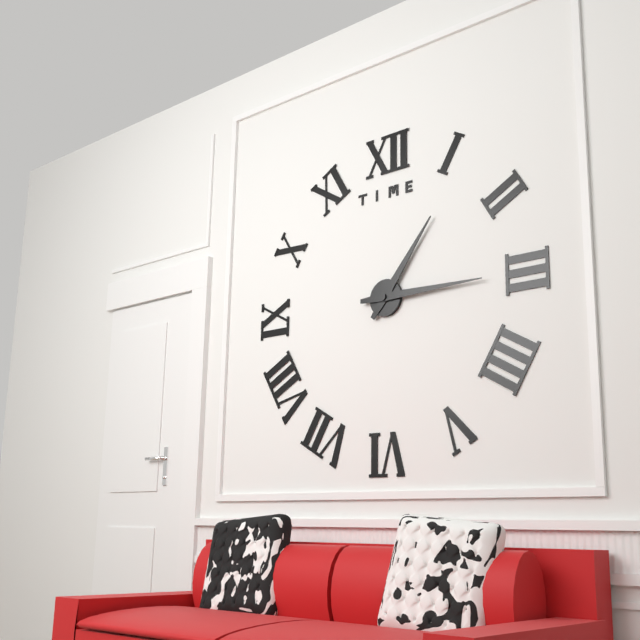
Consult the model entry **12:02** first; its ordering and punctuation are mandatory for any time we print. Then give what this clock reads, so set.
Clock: **1:15**
